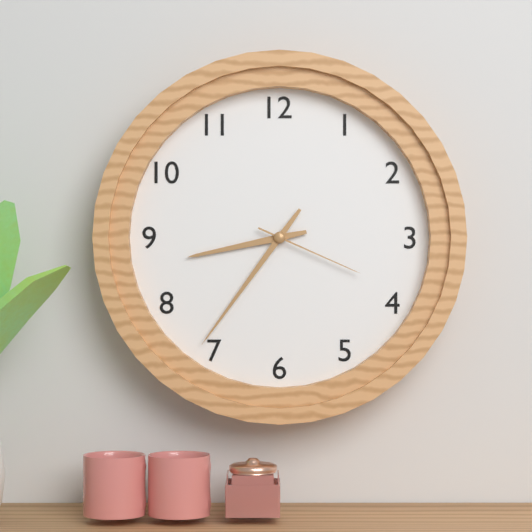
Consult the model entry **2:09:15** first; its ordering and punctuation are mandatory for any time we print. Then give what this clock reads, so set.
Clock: **8:36:19**
